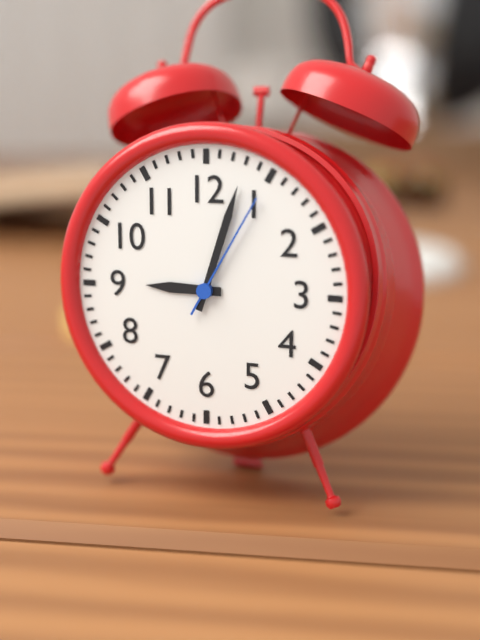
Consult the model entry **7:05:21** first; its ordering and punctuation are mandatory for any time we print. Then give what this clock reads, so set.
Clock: **9:03:05**
